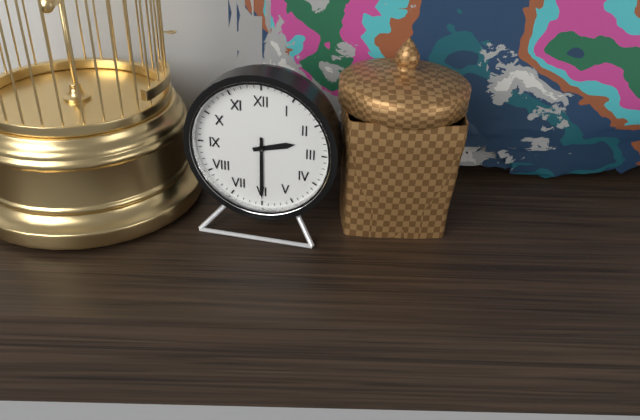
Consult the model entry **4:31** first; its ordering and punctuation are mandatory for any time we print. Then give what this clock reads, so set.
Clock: **2:30**
